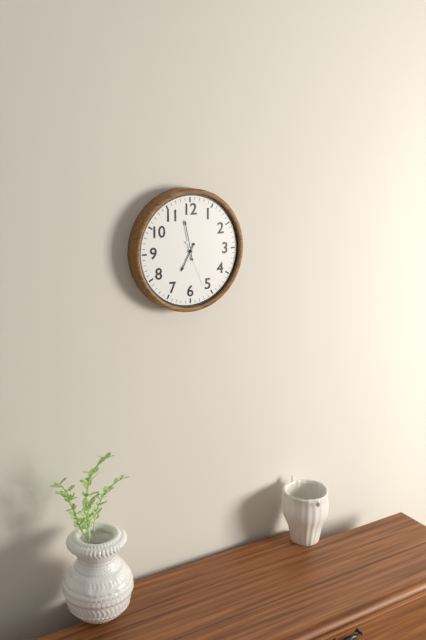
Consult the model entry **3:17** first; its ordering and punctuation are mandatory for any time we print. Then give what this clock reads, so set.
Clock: **6:58**
